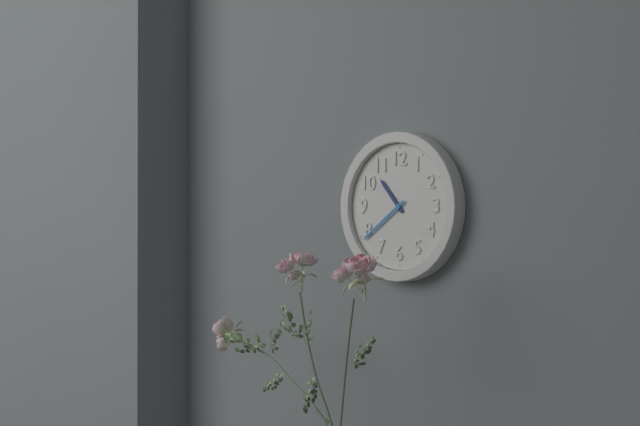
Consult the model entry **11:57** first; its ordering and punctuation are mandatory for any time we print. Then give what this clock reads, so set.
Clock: **10:39**
